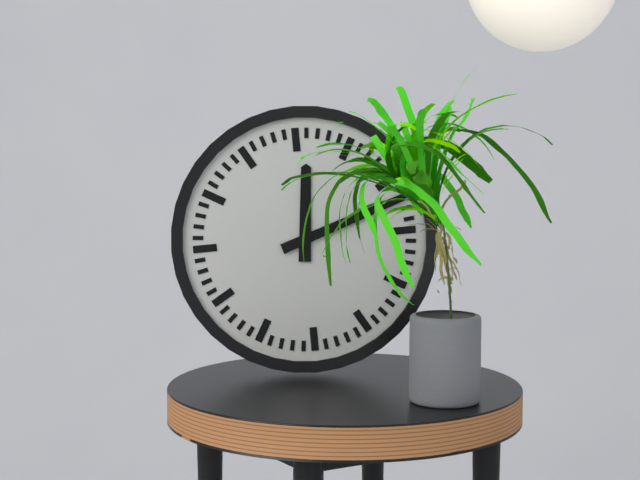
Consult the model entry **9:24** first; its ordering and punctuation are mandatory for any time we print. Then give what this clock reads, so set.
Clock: **12:12**
